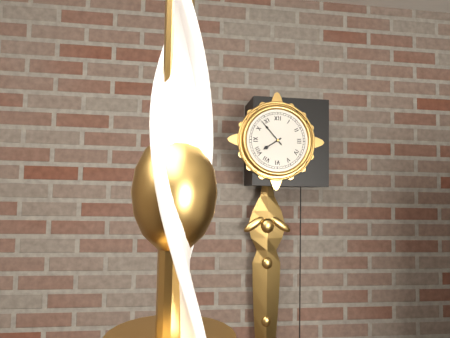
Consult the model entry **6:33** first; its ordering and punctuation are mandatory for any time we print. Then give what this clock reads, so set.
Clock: **7:53**
